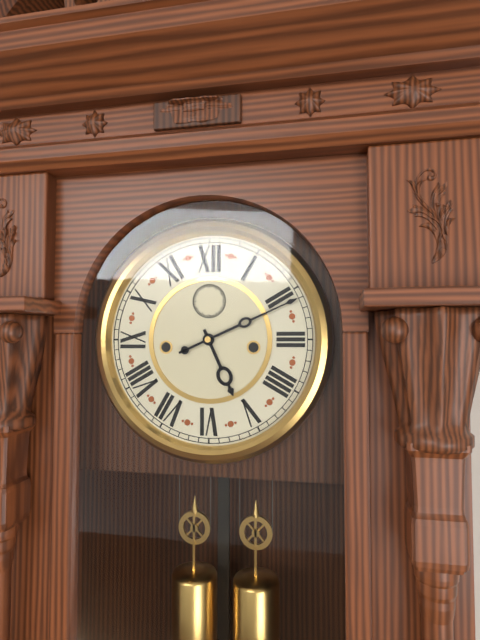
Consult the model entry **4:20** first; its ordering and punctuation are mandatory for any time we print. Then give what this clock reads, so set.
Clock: **5:11**
